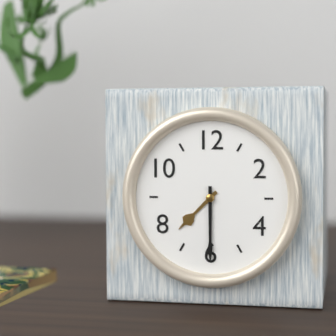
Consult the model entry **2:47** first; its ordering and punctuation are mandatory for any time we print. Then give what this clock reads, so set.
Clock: **7:30**
